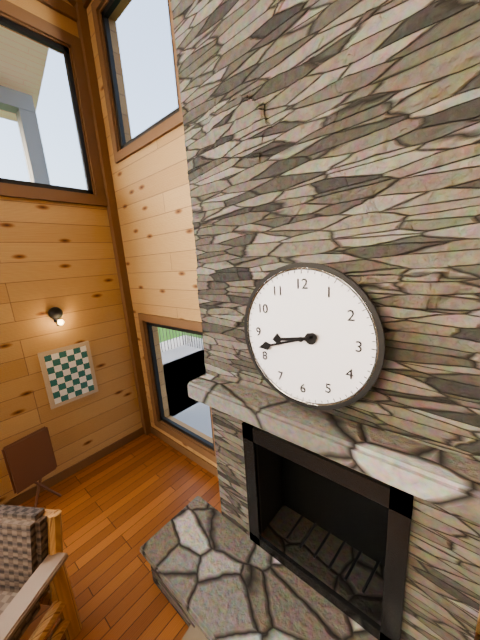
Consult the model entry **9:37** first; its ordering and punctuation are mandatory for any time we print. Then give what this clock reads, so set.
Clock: **8:42**
